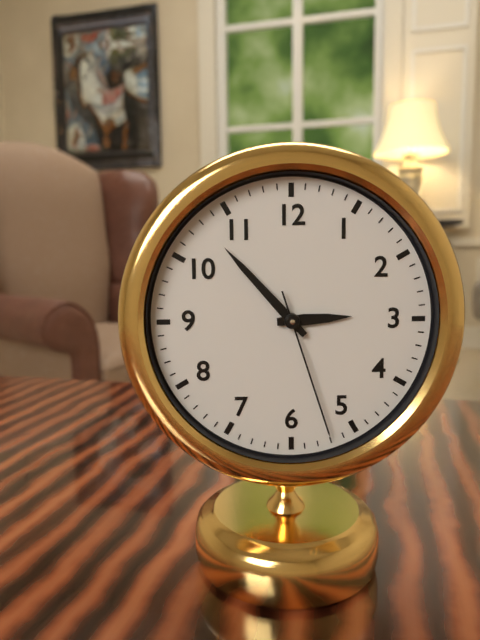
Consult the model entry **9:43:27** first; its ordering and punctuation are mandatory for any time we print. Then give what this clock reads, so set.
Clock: **2:53:27**
